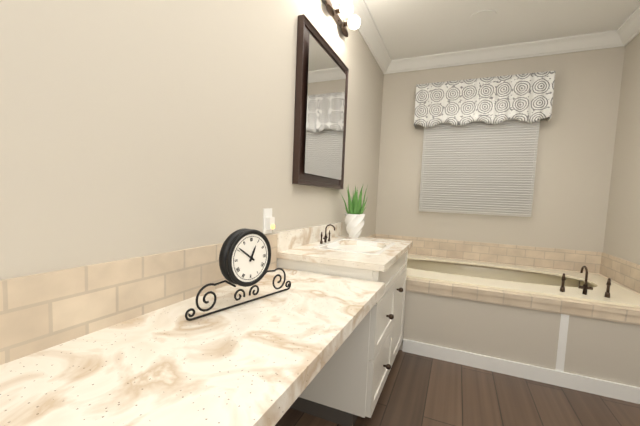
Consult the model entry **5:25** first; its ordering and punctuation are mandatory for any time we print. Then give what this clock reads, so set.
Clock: **12:51**
